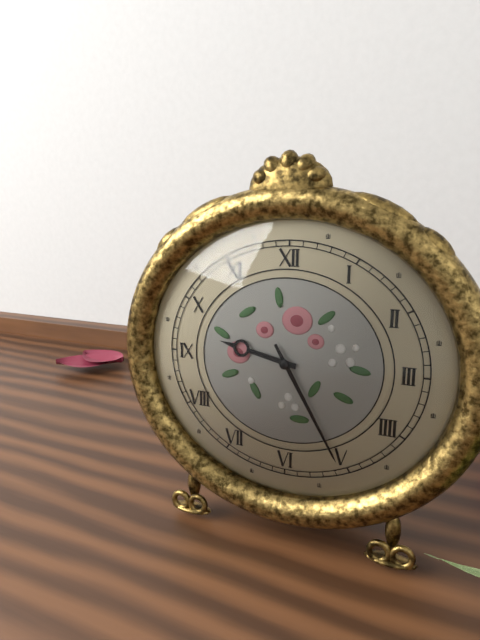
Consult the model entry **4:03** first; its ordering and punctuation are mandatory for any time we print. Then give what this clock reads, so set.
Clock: **9:25**
